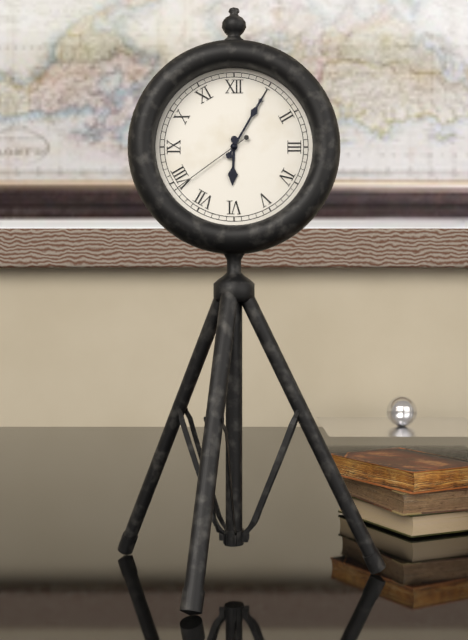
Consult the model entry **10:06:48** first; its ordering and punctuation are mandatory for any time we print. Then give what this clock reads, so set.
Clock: **6:05:39**
